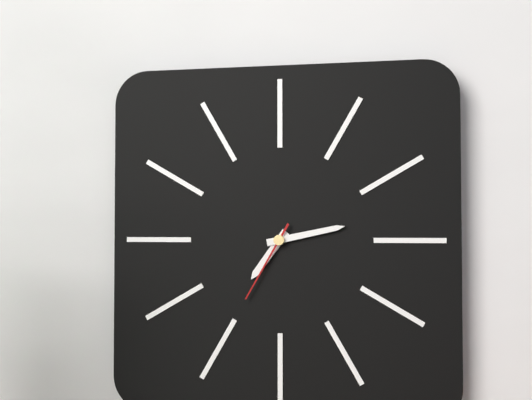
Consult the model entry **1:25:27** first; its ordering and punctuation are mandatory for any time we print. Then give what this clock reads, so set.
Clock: **7:13:35**
